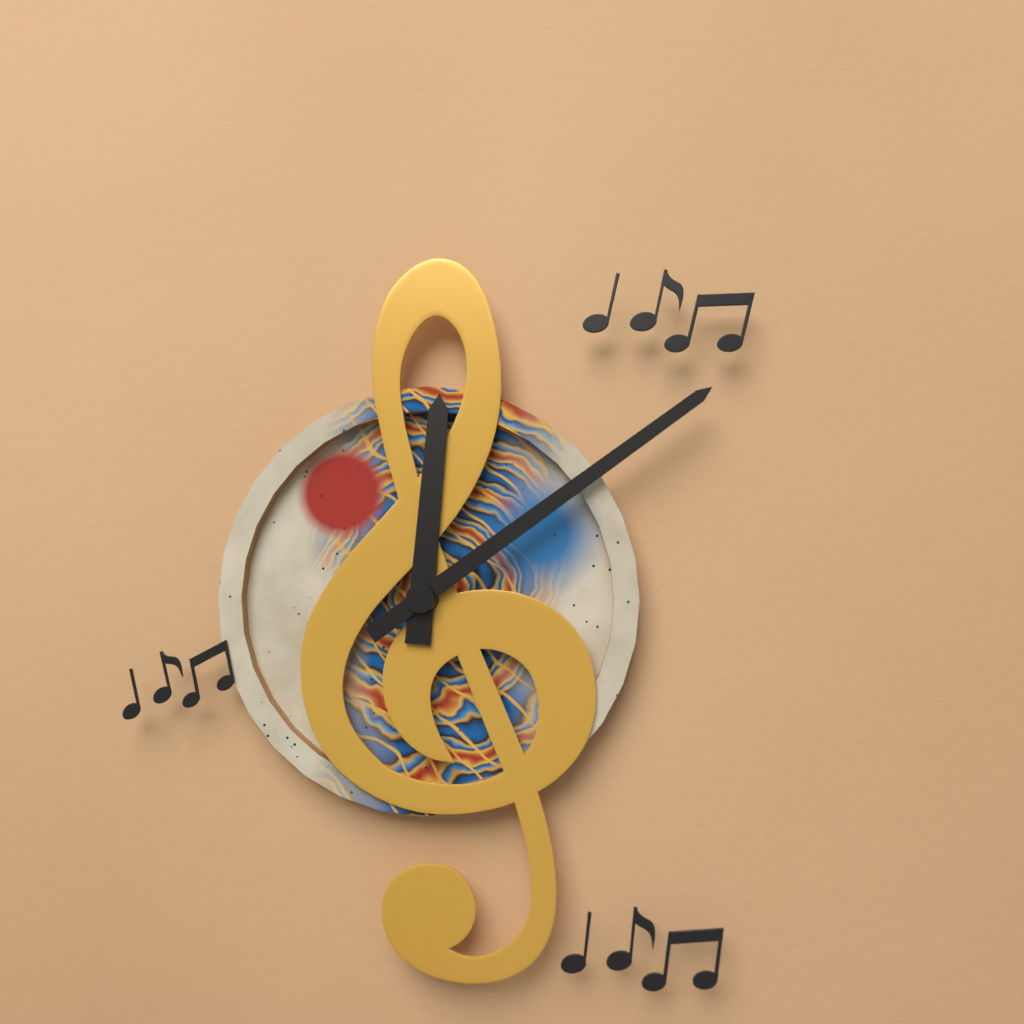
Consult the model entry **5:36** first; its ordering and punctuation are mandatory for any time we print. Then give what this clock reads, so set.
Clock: **12:09**
